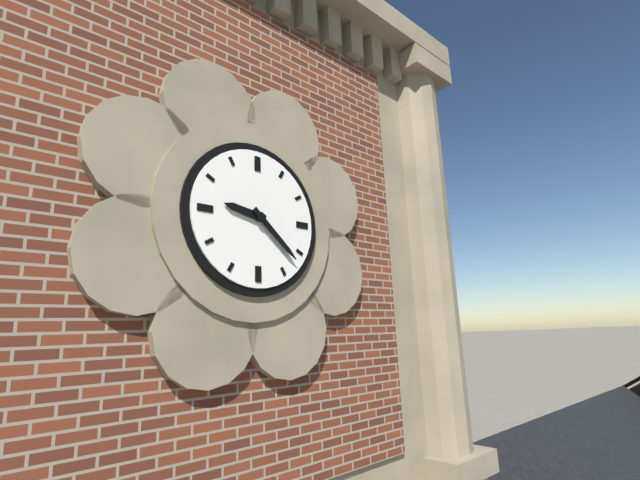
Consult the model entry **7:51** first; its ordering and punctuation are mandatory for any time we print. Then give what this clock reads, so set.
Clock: **9:22**
